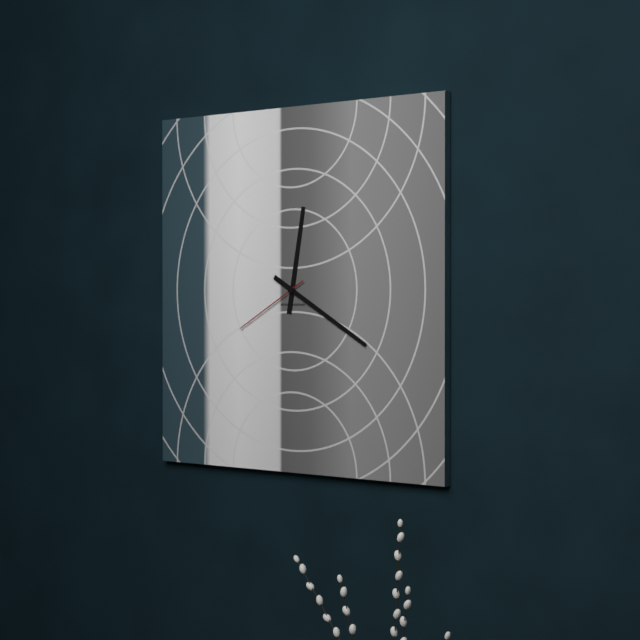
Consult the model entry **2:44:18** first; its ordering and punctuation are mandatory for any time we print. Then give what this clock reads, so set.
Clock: **12:20:40**
